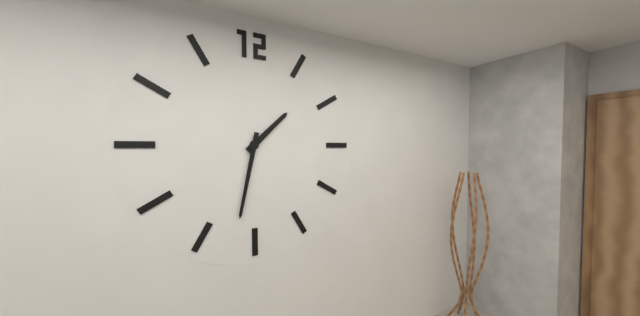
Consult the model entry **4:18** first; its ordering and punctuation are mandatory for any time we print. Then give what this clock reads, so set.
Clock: **1:32**
